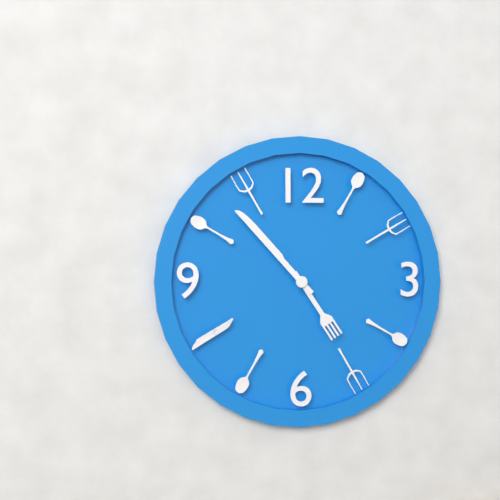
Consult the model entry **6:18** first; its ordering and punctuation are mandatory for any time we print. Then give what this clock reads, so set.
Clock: **4:53**
